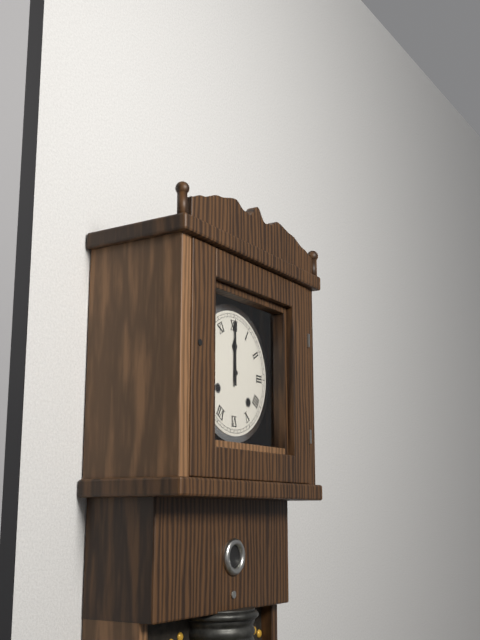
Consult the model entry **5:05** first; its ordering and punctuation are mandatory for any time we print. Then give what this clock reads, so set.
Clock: **12:00**
